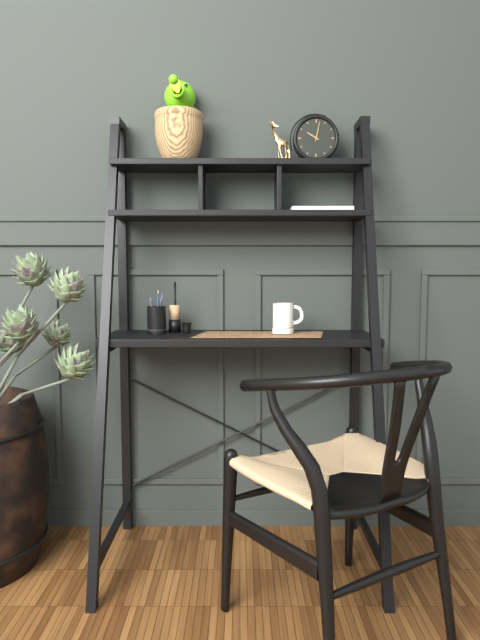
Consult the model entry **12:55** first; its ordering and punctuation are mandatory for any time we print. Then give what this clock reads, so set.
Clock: **10:02**
